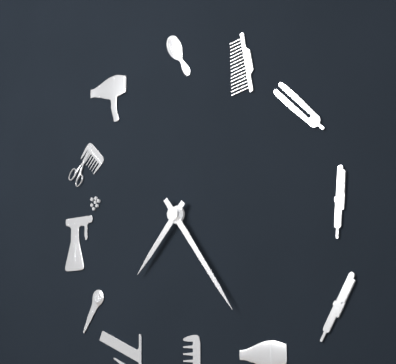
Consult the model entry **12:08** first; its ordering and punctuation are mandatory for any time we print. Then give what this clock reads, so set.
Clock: **7:24**
